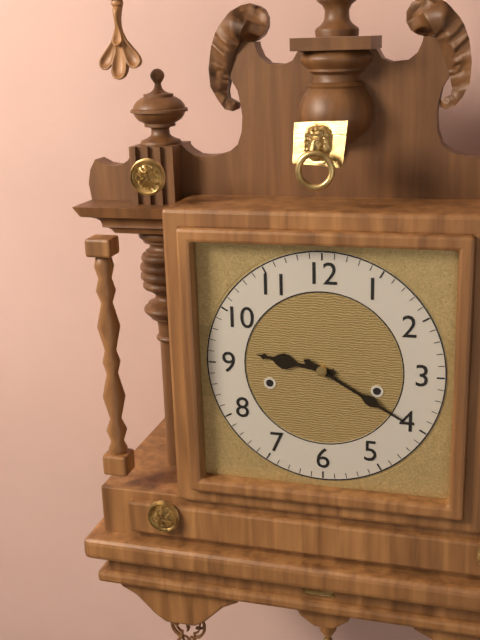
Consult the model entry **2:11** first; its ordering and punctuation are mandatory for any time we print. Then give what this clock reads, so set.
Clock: **9:20**
